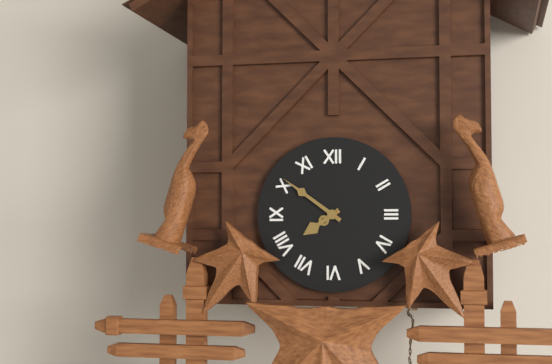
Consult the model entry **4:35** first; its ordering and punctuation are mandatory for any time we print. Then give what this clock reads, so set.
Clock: **7:51**
